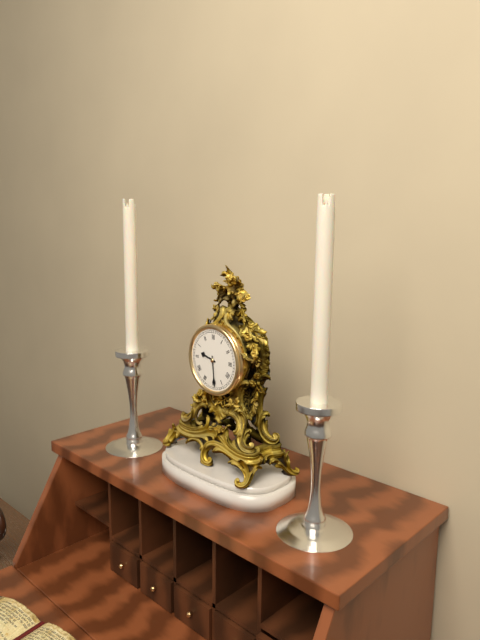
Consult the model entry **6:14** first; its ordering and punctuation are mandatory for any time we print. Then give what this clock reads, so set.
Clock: **9:29**
